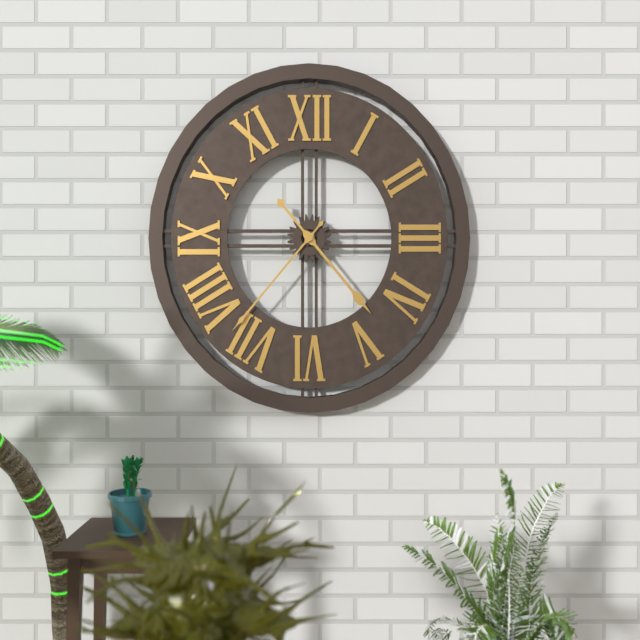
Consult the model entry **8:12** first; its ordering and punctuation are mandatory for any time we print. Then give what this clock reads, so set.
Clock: **4:37**
